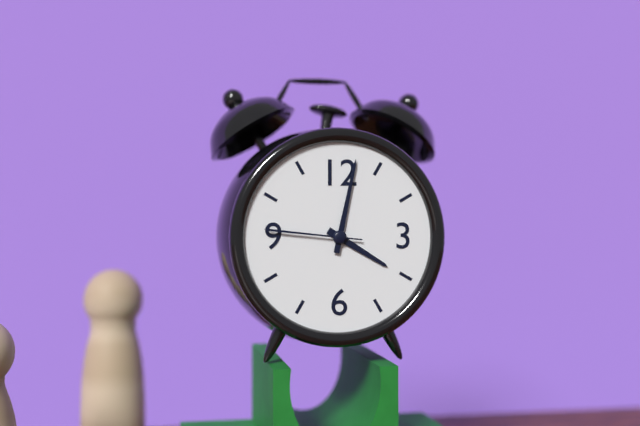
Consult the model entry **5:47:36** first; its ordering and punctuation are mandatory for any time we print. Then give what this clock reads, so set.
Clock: **4:02:46**
